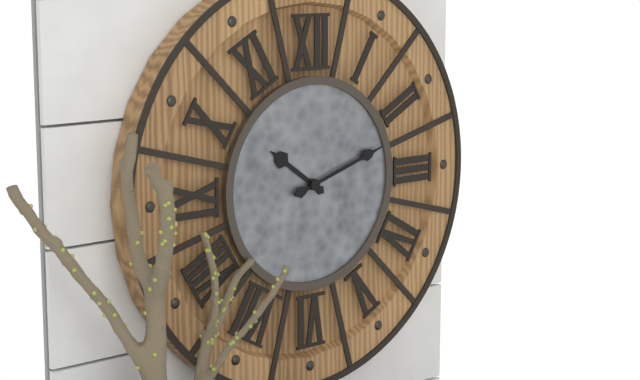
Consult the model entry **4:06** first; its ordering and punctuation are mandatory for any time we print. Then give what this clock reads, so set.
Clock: **10:12**
